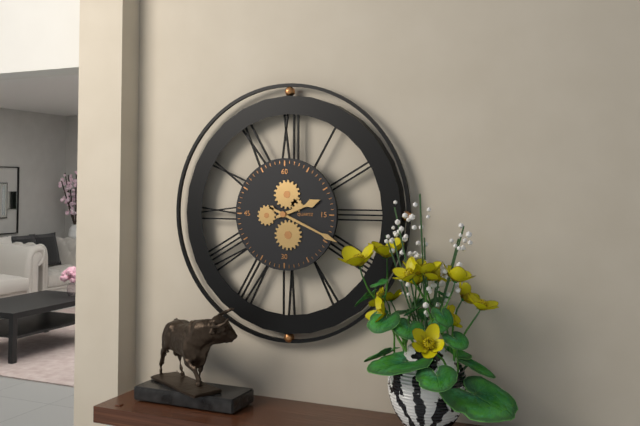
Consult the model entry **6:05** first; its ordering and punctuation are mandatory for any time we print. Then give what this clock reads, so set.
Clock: **2:19**
